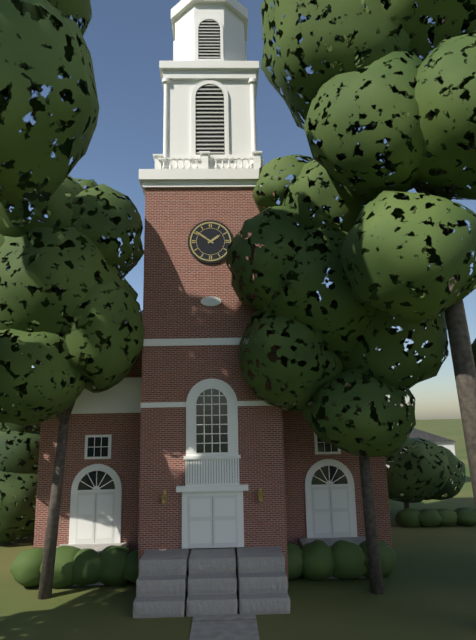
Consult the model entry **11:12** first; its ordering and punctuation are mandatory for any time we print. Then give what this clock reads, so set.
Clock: **1:51**
